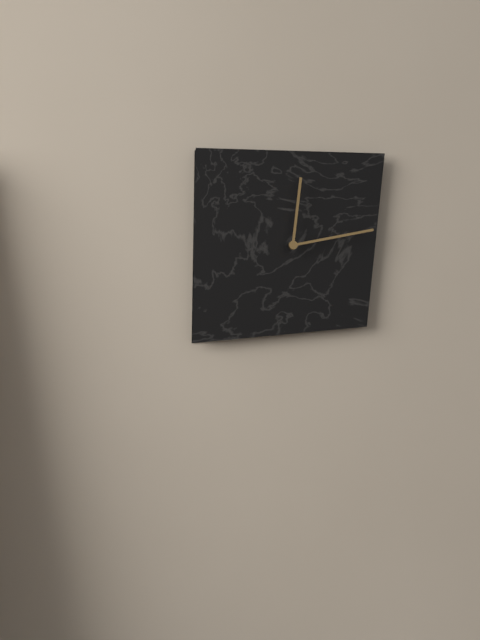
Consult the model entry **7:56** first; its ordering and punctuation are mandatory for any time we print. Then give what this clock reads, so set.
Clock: **12:13**
